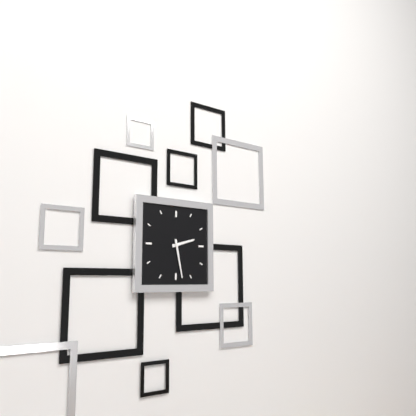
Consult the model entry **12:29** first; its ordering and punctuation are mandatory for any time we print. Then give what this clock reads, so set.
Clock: **2:28**
